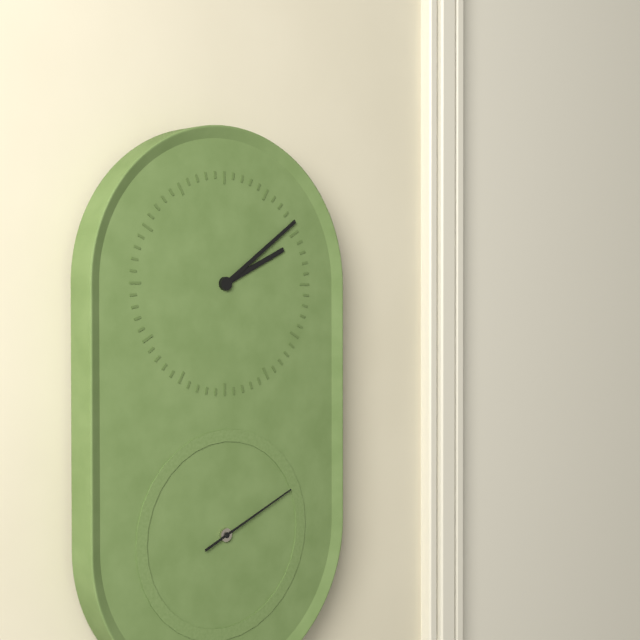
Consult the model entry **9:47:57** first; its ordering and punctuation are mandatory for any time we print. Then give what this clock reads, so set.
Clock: **2:09:11**
